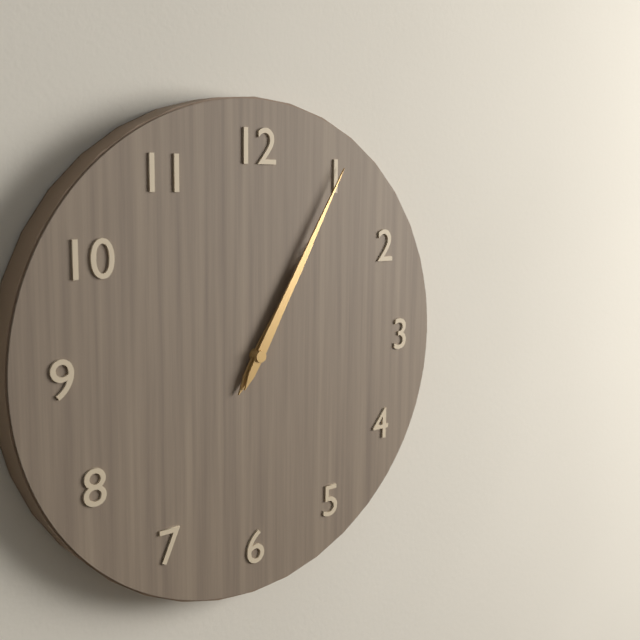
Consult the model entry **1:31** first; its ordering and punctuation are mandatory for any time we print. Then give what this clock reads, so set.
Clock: **1:05**
